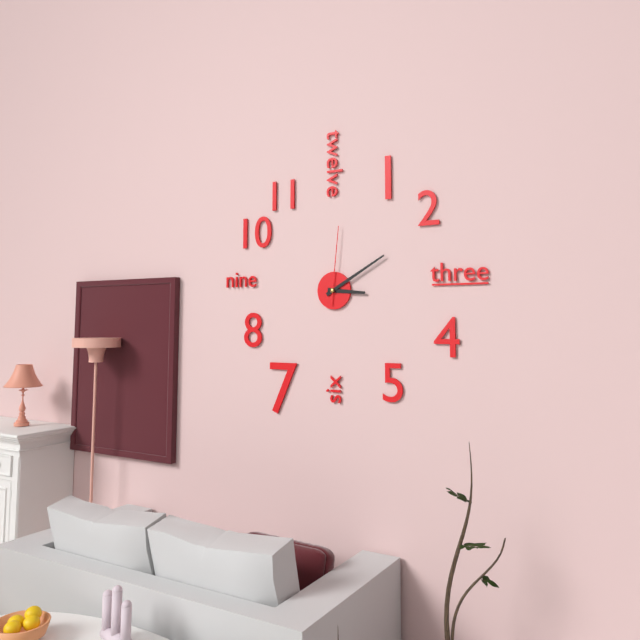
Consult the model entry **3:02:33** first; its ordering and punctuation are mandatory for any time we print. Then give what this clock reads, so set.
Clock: **3:10:01**
